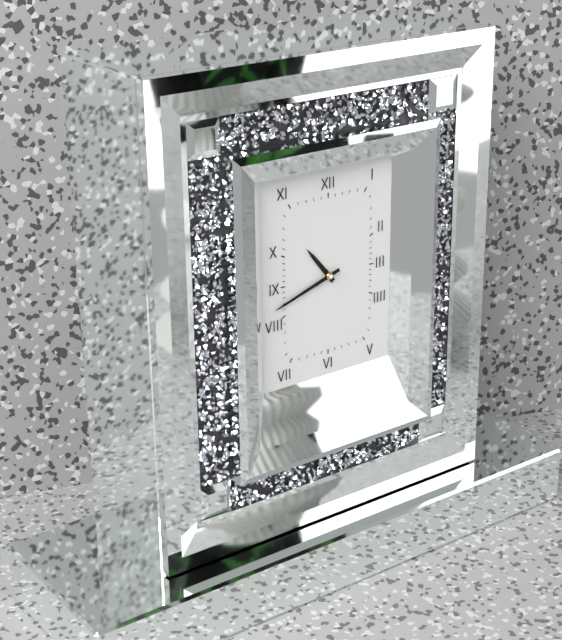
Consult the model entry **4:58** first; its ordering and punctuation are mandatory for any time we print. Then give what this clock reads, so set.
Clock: **10:42**
